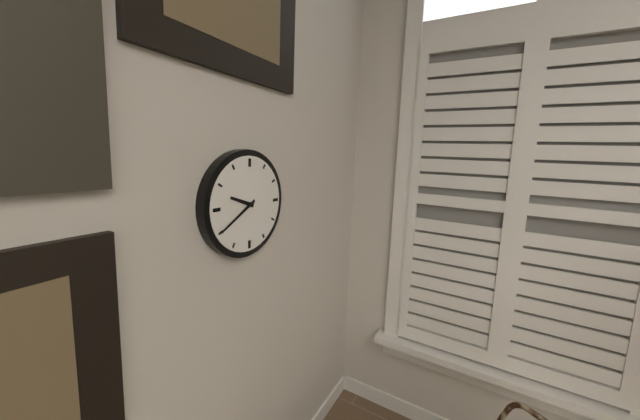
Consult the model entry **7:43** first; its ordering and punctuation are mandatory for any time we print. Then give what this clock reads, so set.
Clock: **9:40**
